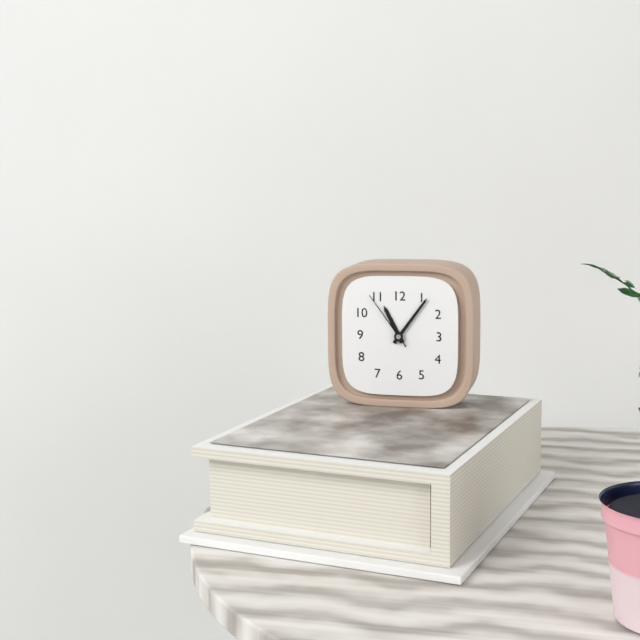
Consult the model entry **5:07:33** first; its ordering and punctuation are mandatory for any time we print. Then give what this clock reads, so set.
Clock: **11:06:54**
